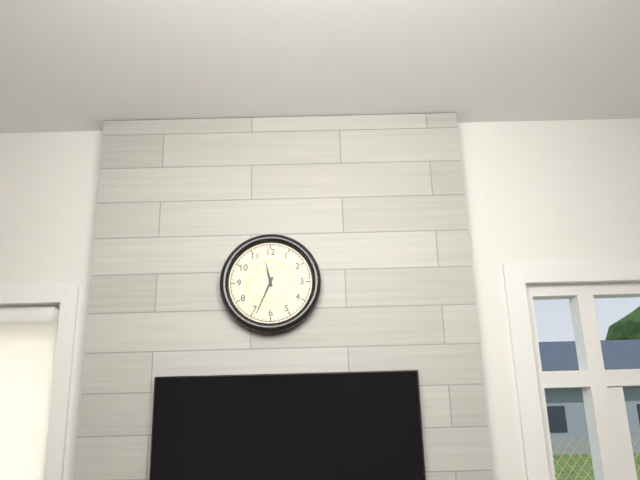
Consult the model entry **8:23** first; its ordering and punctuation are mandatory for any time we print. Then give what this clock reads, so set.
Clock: **11:34**
